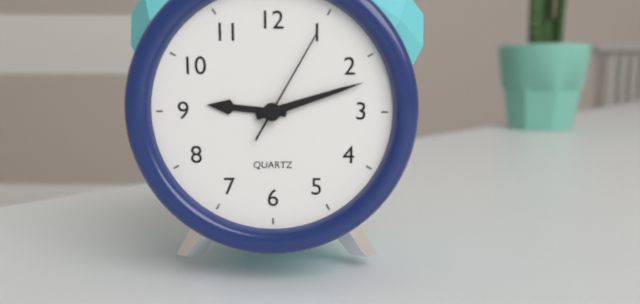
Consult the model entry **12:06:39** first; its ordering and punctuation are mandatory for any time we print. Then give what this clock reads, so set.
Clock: **9:12:05**
